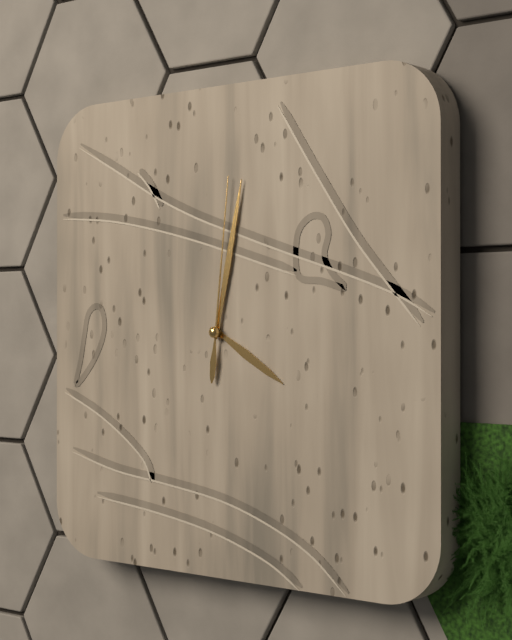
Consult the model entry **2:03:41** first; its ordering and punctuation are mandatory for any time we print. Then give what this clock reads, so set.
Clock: **4:02:01**
